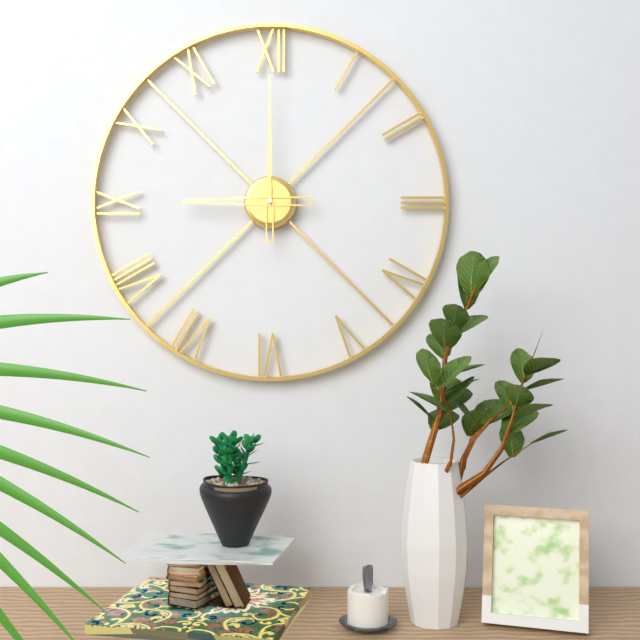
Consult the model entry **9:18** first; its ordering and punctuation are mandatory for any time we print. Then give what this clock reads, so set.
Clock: **9:00**
